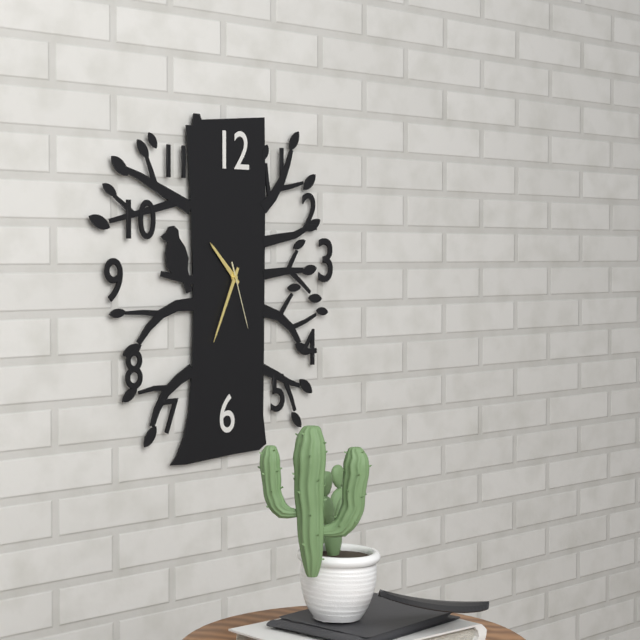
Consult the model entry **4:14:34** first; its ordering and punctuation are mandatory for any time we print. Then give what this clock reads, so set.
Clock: **10:34:27**
